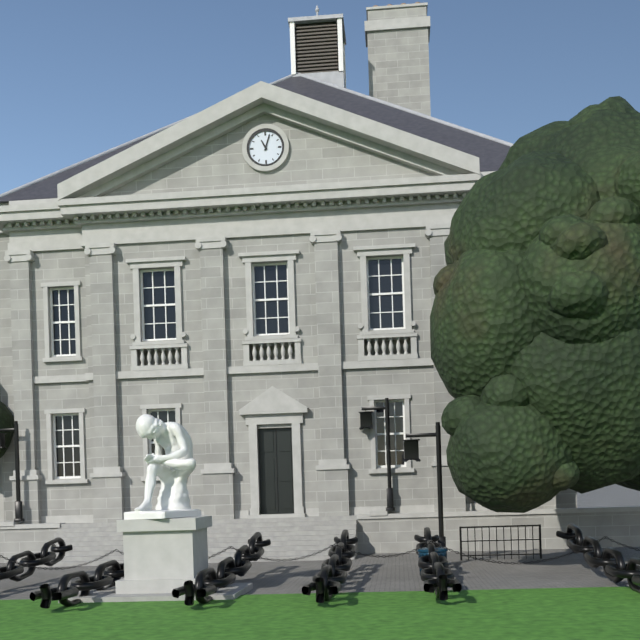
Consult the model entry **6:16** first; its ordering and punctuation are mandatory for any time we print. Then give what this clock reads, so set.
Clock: **11:03**
